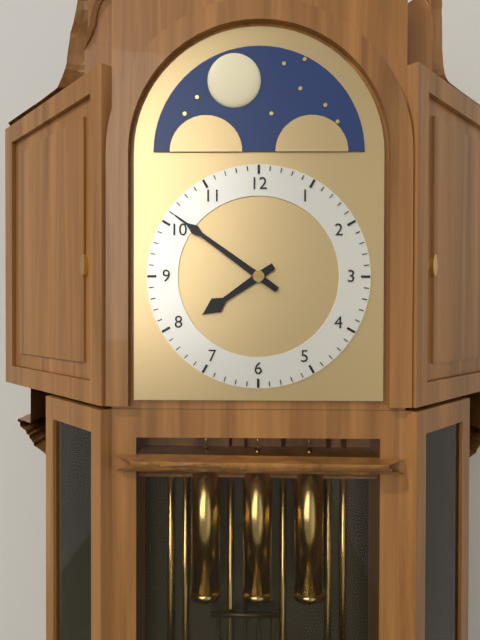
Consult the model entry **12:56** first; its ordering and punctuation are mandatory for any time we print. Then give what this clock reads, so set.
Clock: **7:51**
